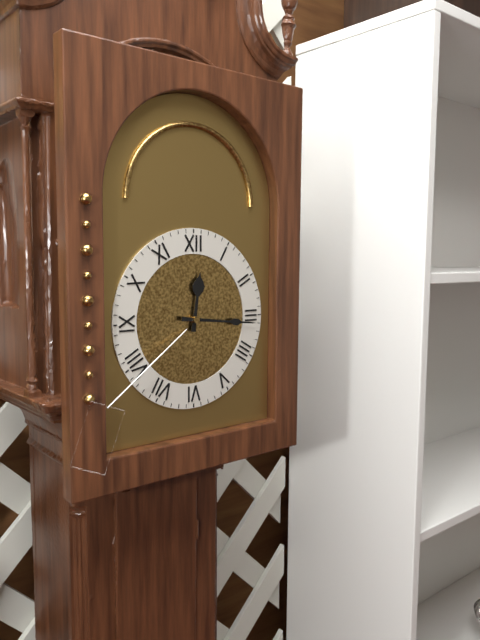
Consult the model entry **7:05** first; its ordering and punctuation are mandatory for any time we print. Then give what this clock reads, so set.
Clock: **12:16**
